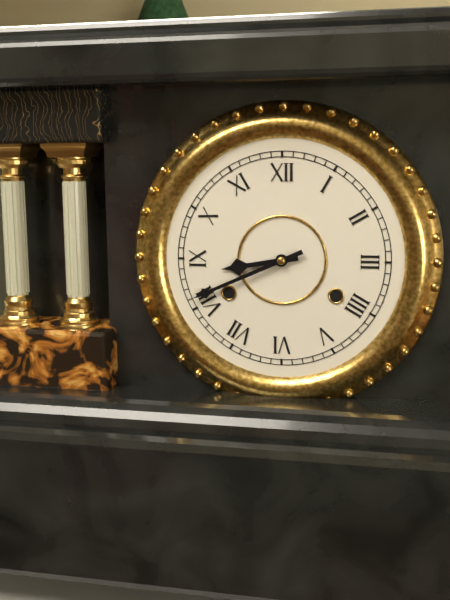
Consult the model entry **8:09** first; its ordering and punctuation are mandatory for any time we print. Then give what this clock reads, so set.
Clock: **8:41**
